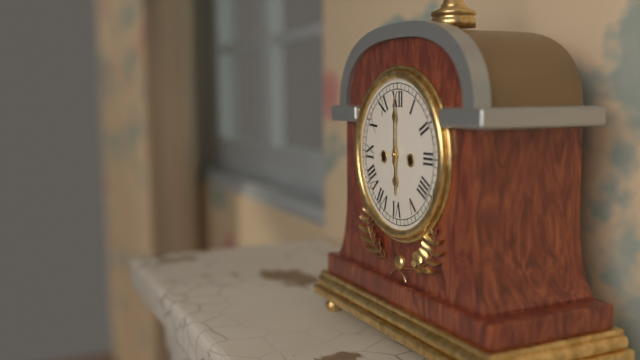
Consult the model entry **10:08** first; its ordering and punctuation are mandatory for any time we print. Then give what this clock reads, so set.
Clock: **6:00**
